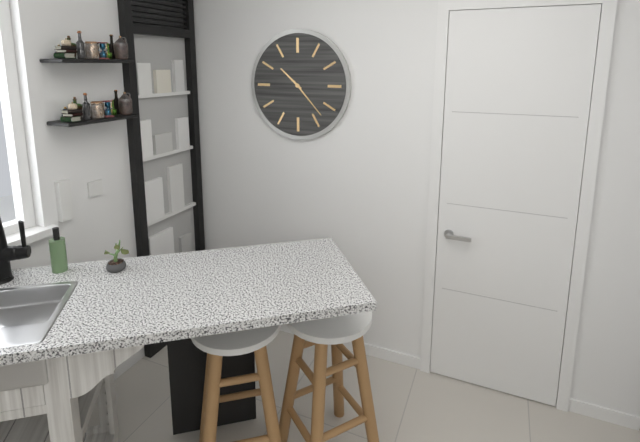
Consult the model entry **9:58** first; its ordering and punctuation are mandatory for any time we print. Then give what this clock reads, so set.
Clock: **10:23**
